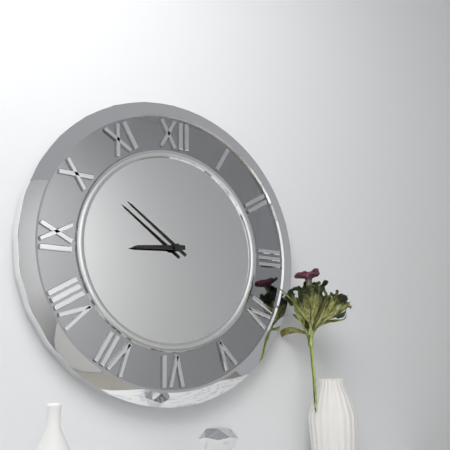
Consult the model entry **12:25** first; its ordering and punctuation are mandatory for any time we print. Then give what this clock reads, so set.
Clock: **8:51**
